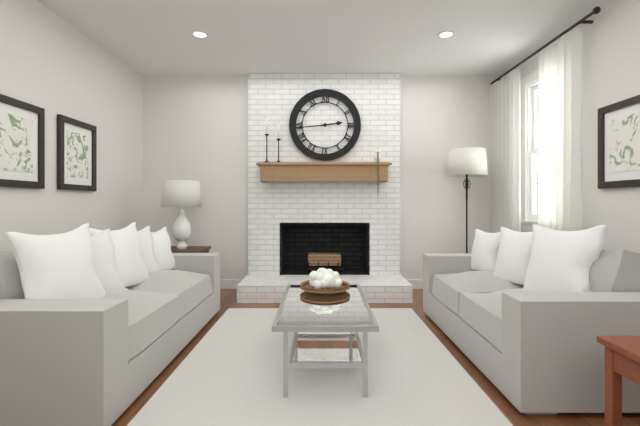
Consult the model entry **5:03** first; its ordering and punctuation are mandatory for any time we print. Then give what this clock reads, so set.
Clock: **2:44**
